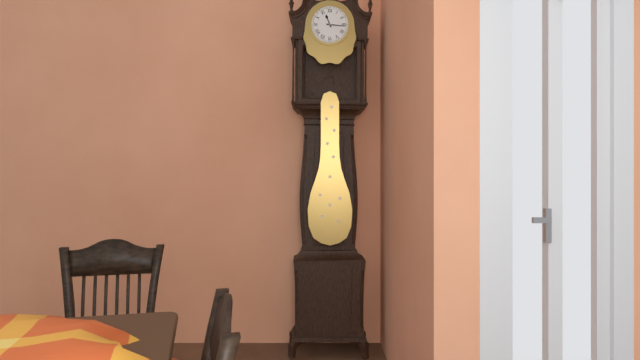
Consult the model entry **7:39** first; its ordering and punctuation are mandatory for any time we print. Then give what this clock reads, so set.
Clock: **11:16**
